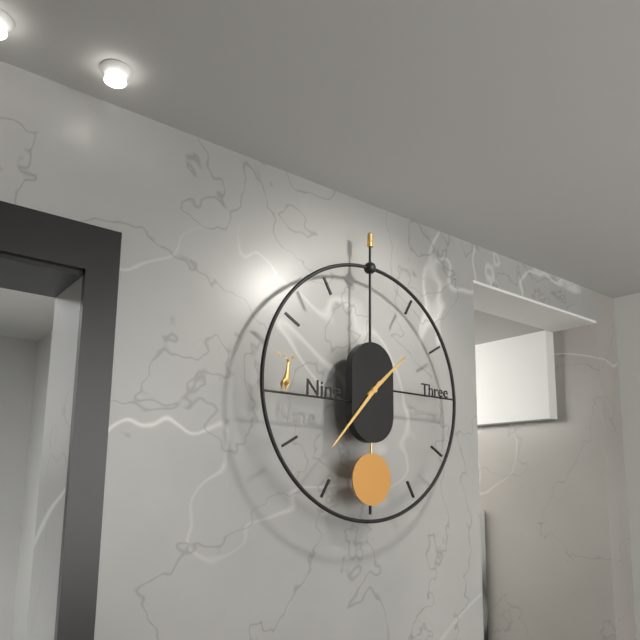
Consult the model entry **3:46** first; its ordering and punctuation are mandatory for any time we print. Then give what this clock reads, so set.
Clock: **1:37**
